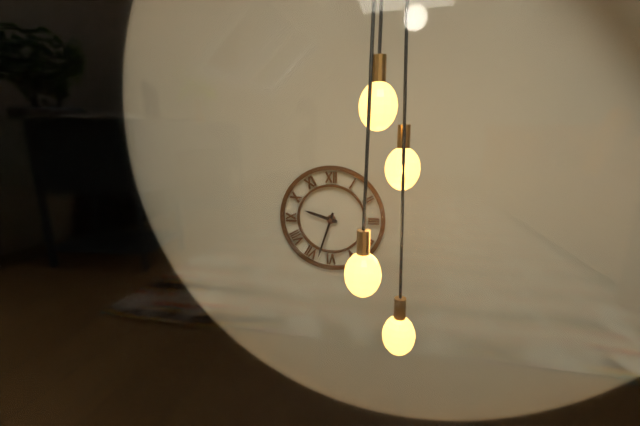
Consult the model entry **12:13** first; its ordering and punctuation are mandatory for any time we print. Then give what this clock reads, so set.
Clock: **9:33**
